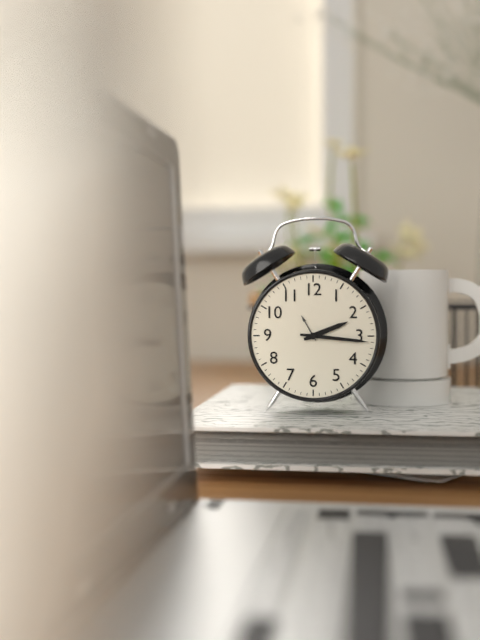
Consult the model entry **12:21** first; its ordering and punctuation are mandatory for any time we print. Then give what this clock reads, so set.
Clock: **2:16**
